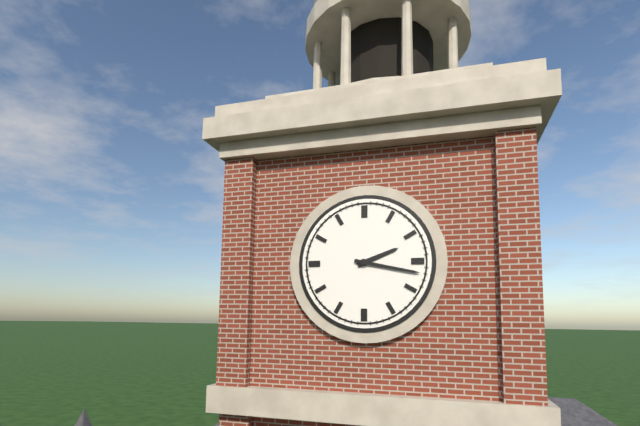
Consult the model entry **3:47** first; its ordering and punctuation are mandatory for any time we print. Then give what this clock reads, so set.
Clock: **2:17**
